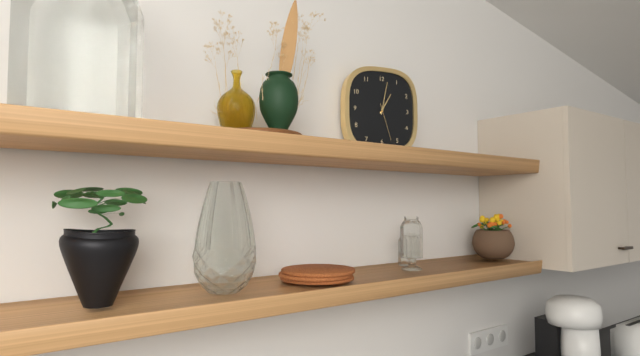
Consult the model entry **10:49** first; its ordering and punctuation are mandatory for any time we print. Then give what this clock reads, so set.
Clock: **1:02**
